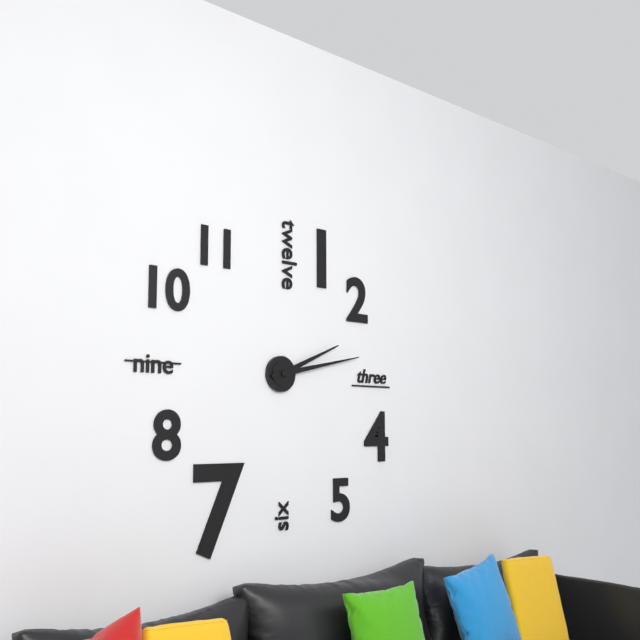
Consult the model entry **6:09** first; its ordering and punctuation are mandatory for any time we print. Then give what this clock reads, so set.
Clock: **2:13**
